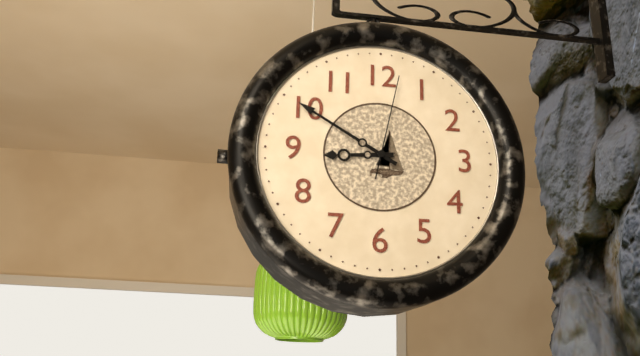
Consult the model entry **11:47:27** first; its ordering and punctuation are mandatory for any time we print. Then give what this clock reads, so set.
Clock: **8:50:02**
